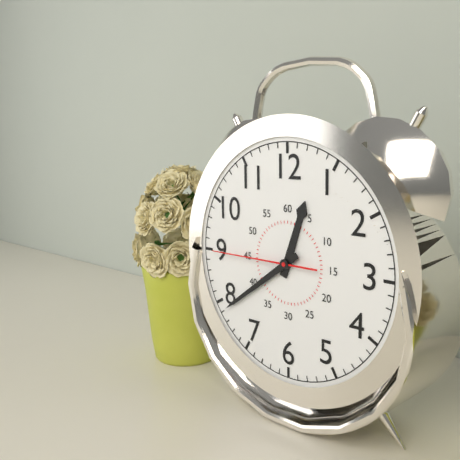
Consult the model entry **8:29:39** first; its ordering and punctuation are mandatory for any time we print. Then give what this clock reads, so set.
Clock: **12:39:45**
